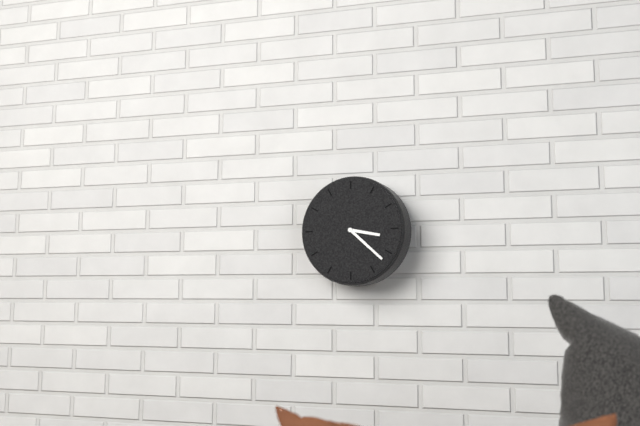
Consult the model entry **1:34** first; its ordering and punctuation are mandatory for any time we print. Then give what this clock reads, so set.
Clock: **3:22**
